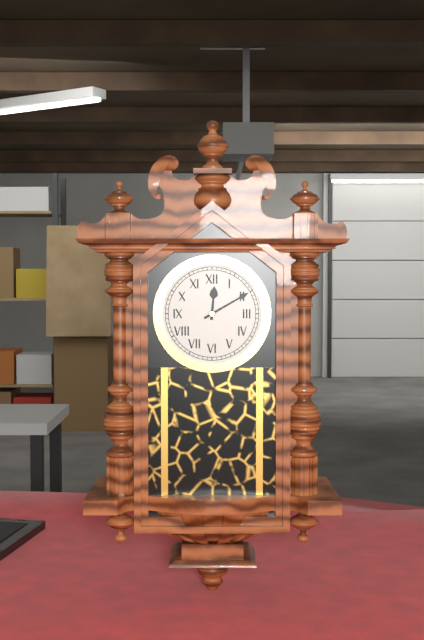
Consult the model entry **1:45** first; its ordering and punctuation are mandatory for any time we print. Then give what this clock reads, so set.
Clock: **12:10**
